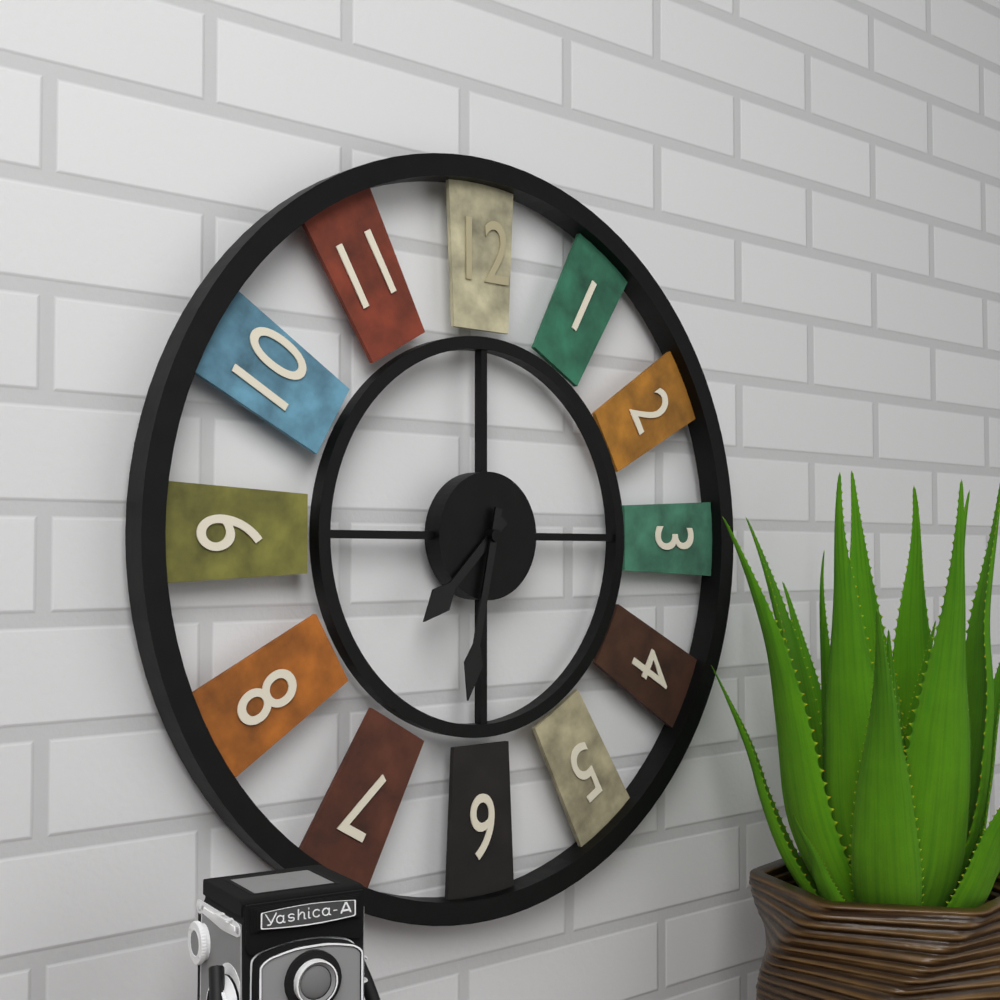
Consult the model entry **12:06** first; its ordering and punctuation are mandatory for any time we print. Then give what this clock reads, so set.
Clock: **7:32**
